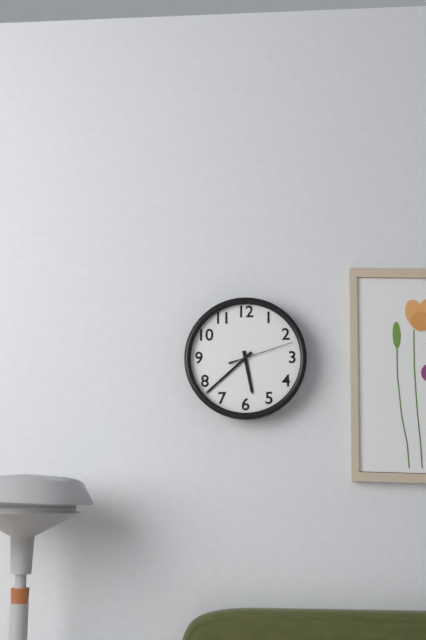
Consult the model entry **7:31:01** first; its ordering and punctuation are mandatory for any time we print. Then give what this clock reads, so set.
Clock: **5:38:12**
